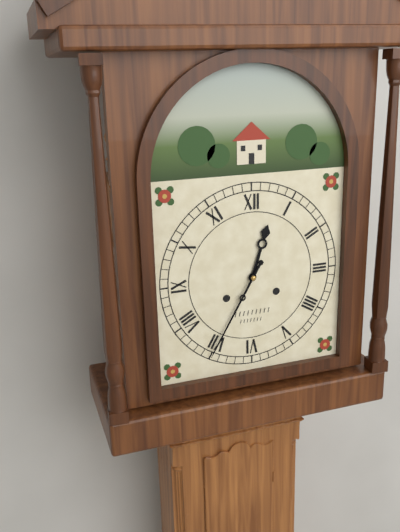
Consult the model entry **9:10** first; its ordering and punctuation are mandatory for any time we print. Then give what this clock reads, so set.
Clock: **12:35**
